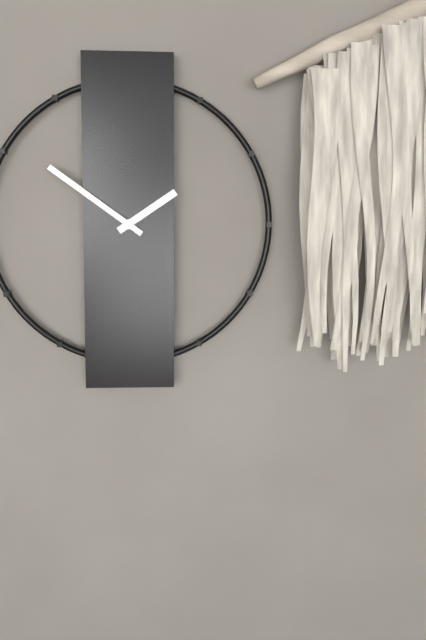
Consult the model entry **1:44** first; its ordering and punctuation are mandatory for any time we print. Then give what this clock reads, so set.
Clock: **1:51**
